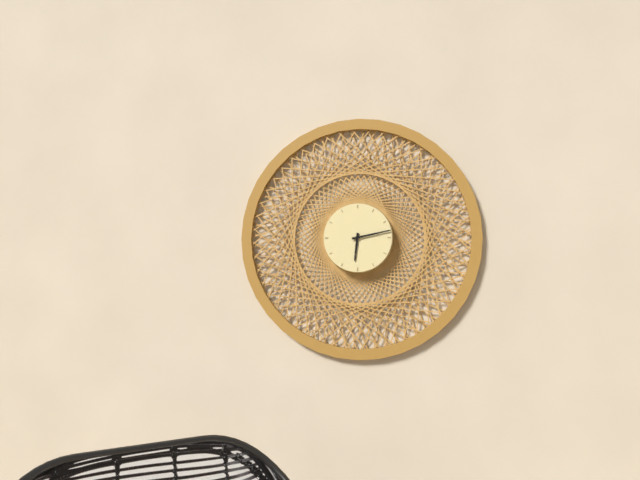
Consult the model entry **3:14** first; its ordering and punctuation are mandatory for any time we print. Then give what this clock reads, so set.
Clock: **6:13**
